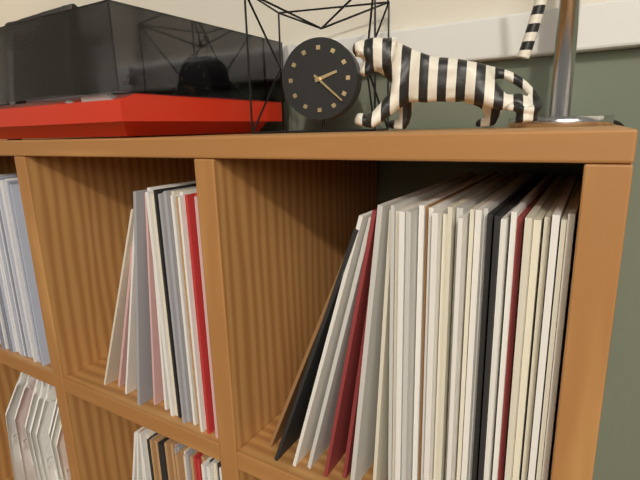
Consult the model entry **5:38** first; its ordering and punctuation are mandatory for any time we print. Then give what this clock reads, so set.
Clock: **2:22**
